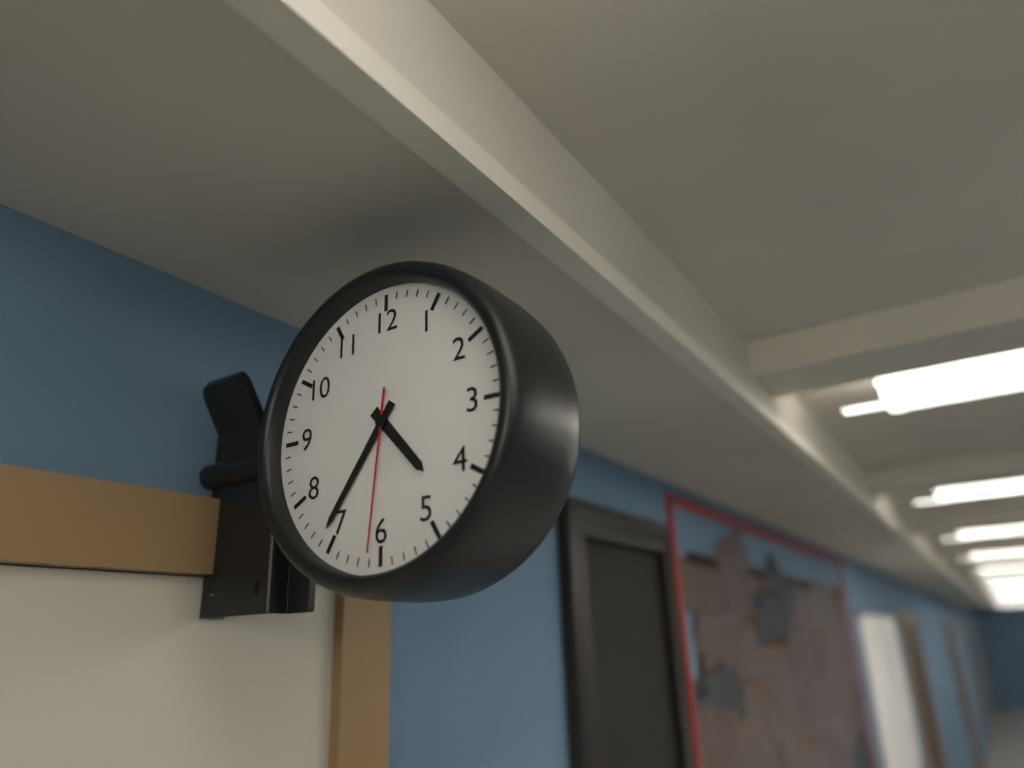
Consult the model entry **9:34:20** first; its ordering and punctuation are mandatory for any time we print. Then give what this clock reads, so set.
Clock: **4:36:31**
